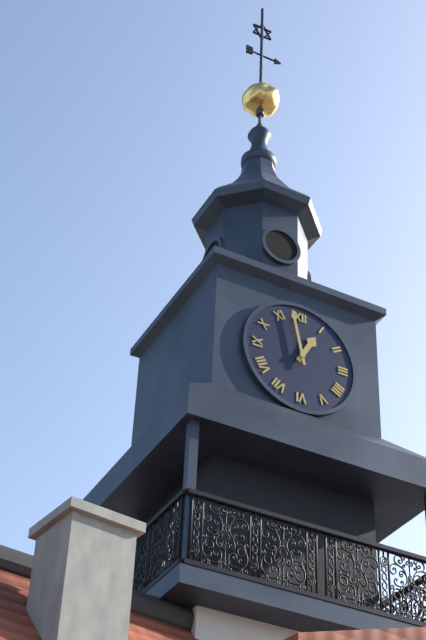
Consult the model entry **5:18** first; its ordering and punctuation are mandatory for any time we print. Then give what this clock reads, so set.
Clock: **12:58**
